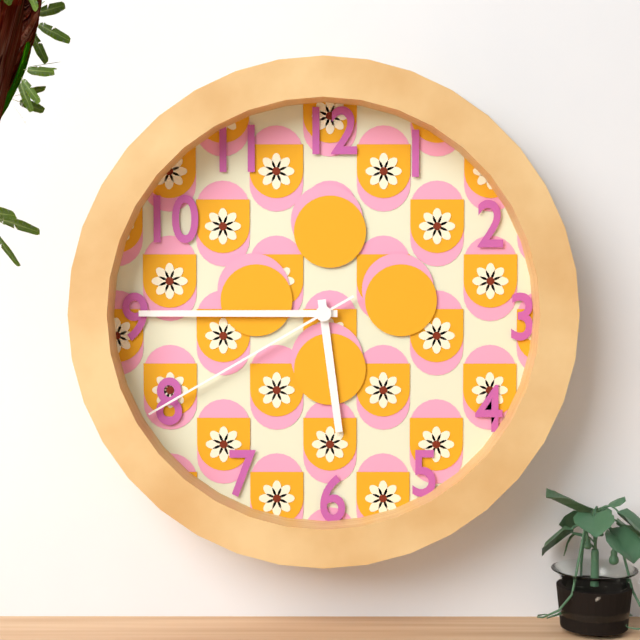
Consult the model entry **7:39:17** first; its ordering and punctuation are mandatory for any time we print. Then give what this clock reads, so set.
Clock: **5:45:40**
